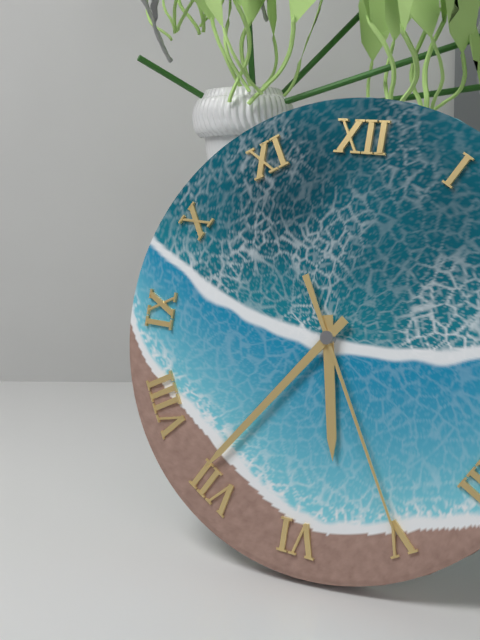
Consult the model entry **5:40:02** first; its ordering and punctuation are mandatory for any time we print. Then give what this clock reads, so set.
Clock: **5:36:25**
